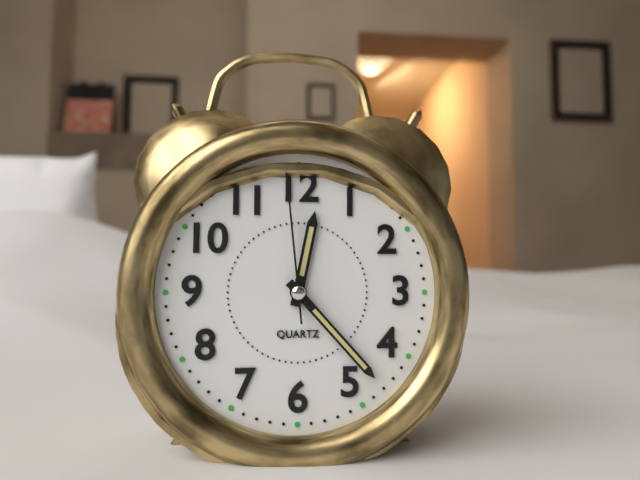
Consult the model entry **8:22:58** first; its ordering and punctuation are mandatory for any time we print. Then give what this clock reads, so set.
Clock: **12:23:59**
